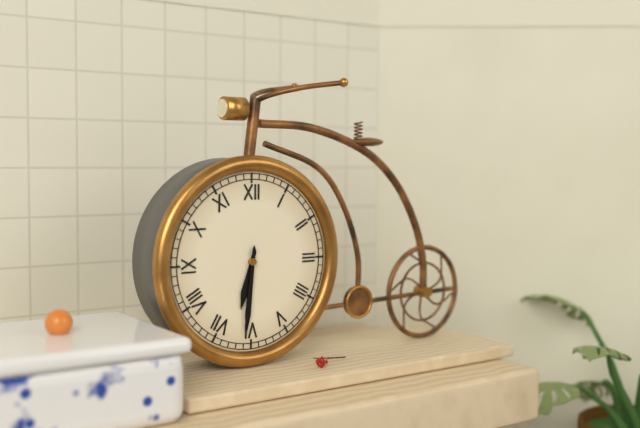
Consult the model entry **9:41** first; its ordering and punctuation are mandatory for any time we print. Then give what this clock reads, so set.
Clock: **6:31**
